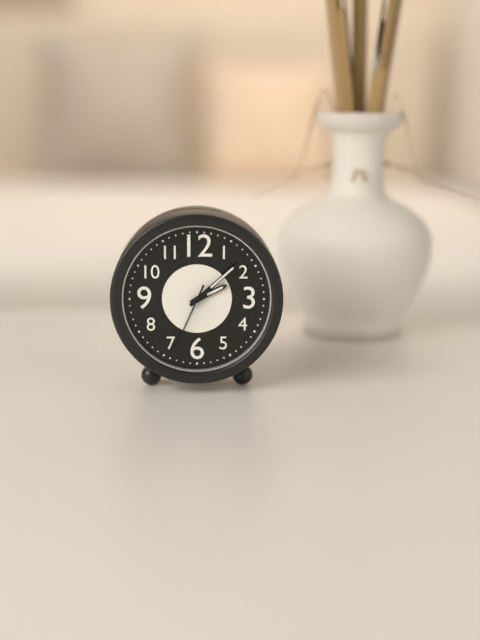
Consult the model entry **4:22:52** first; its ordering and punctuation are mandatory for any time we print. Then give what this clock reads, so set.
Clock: **2:08:34**
